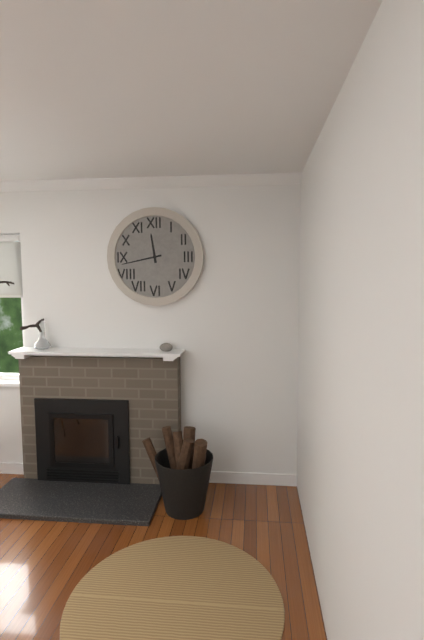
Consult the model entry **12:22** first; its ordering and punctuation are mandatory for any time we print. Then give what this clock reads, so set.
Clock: **11:43**
